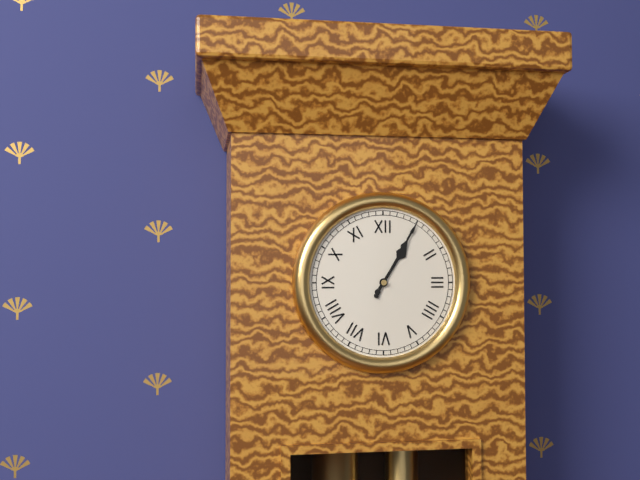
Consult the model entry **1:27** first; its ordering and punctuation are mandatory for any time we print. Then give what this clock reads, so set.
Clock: **1:05**
